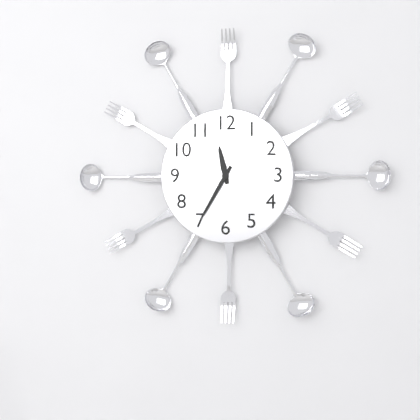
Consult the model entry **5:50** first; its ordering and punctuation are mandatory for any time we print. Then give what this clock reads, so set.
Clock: **11:35**
